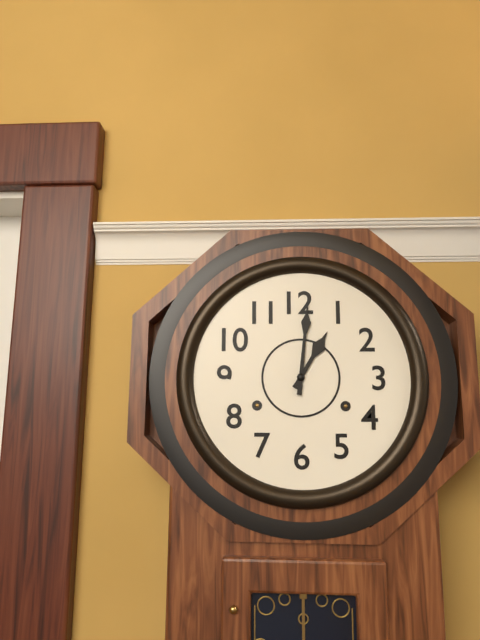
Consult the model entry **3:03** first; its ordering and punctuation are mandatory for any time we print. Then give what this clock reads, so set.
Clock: **1:01**
